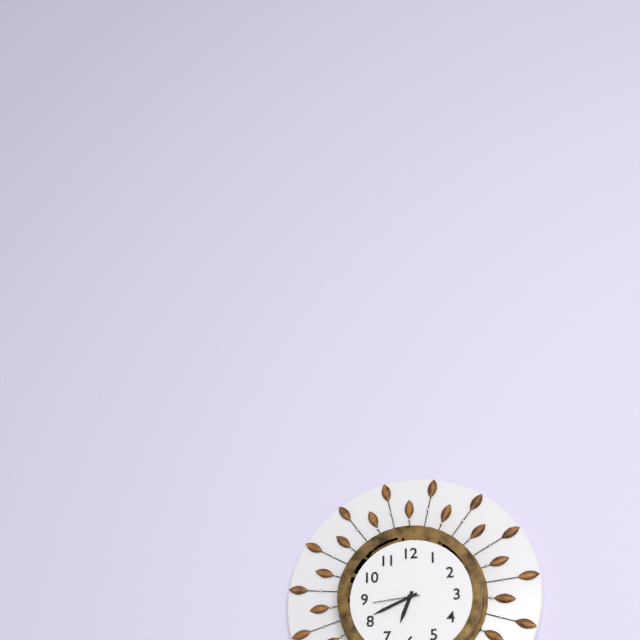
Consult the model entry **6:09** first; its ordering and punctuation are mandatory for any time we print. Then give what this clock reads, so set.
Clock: **6:41**
